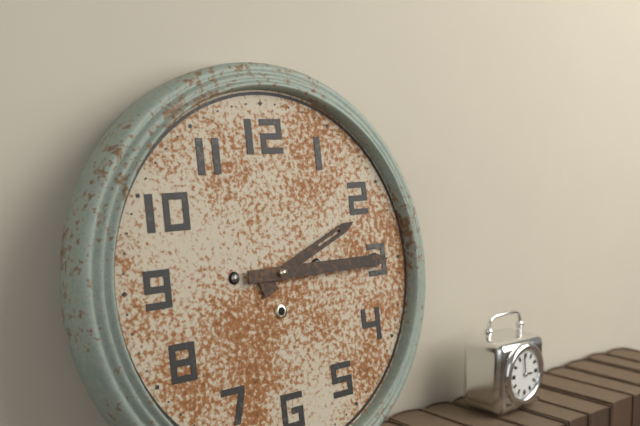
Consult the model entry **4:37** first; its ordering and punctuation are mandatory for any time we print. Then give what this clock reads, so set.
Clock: **2:15**
